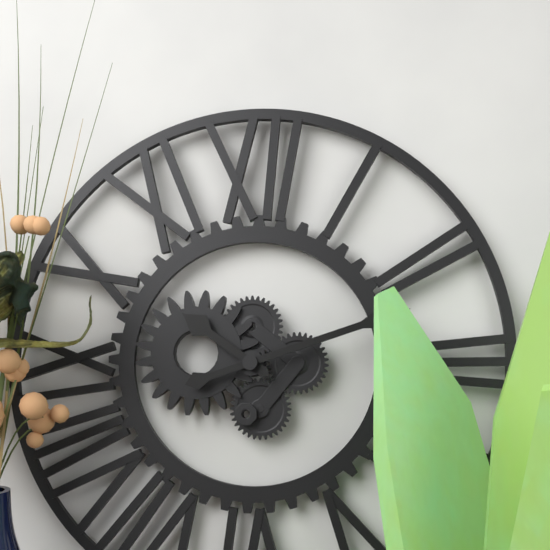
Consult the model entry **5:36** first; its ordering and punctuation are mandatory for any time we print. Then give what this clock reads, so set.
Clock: **10:12**
